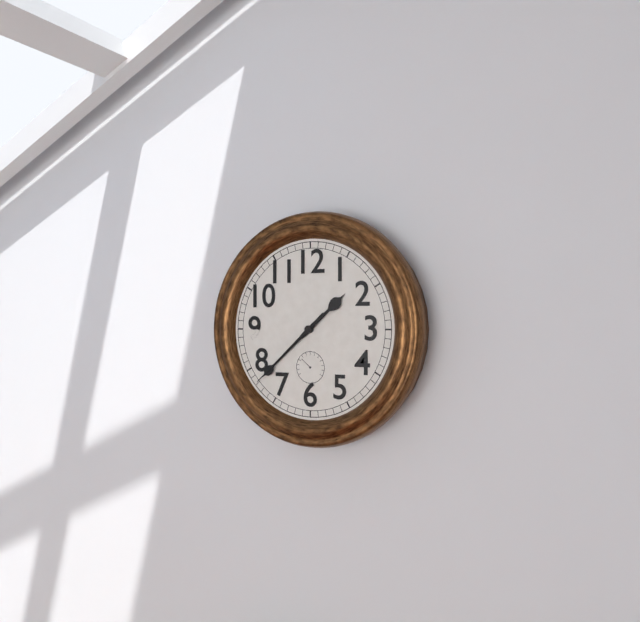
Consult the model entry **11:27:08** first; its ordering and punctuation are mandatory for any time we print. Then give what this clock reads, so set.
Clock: **1:38:38**
